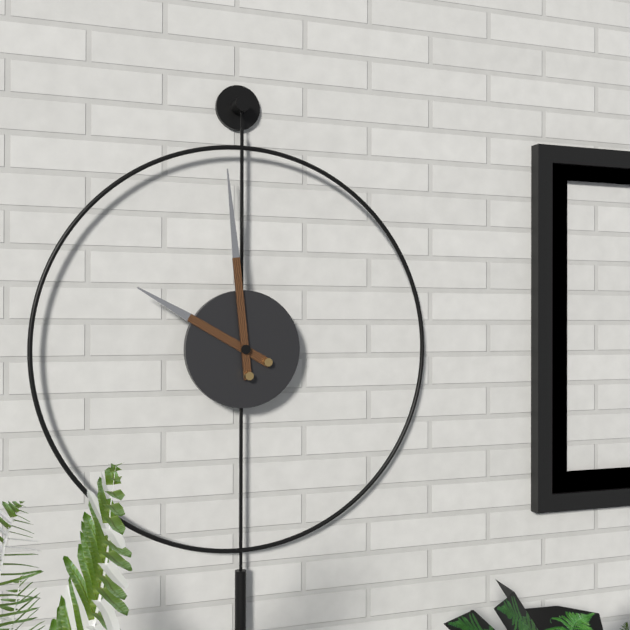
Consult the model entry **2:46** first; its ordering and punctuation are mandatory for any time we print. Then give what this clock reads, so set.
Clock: **9:59**
